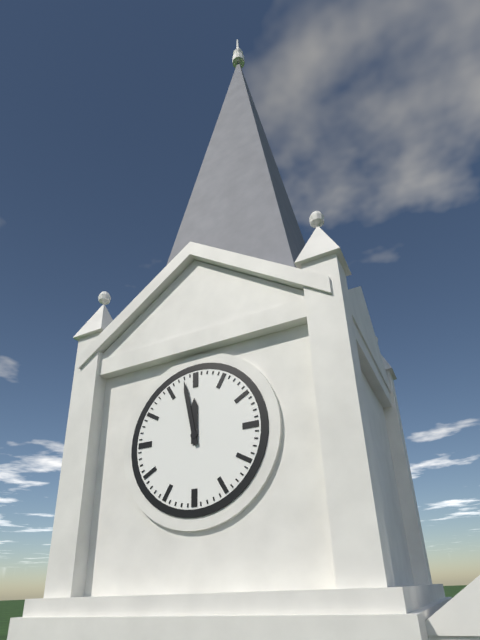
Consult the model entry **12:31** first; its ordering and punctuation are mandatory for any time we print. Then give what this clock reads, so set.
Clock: **11:58**
